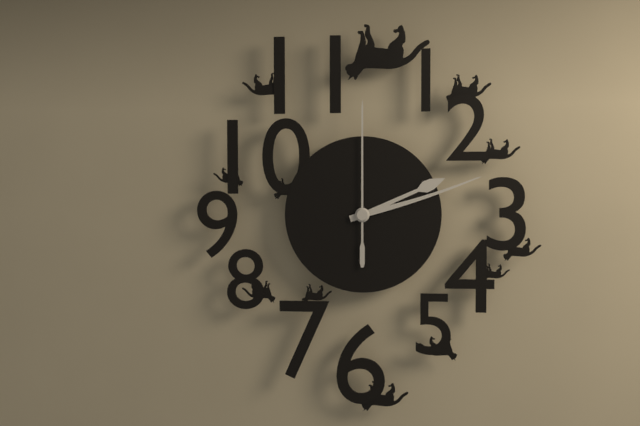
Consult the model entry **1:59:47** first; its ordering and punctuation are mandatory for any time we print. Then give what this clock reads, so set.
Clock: **2:12:00**
